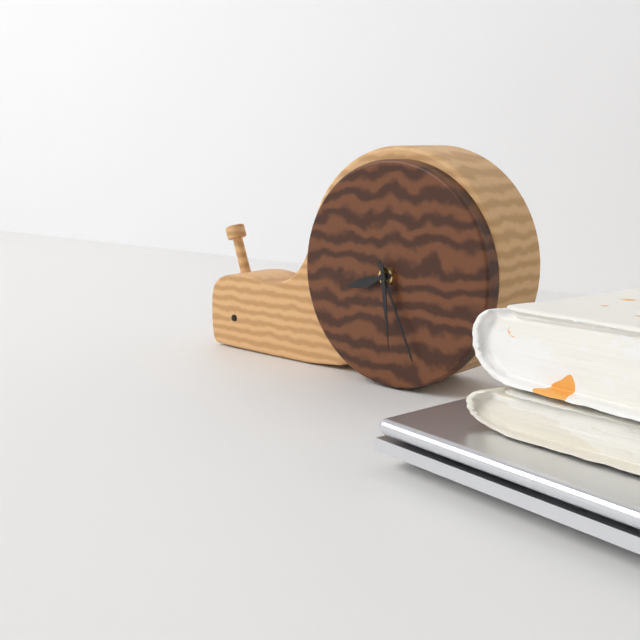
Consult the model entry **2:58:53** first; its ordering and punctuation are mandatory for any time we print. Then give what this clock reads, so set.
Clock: **8:26:29**
